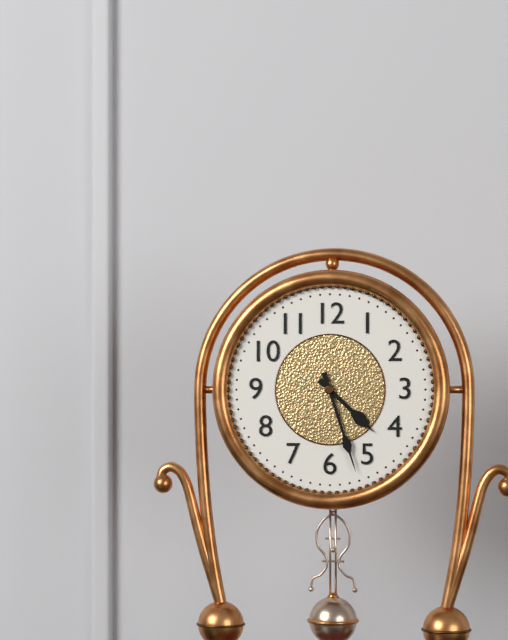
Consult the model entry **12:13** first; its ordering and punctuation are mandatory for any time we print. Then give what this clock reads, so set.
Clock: **4:27**
